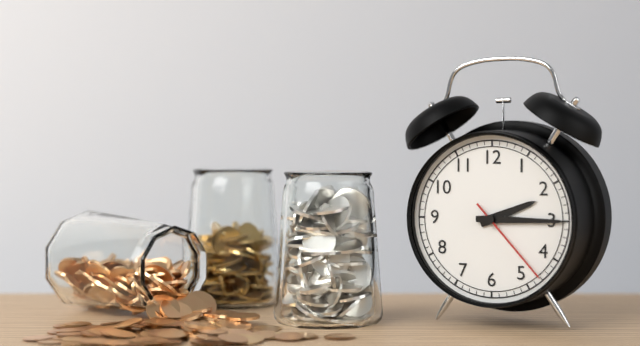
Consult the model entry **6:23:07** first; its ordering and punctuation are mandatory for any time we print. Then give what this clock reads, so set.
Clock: **2:15:23**
